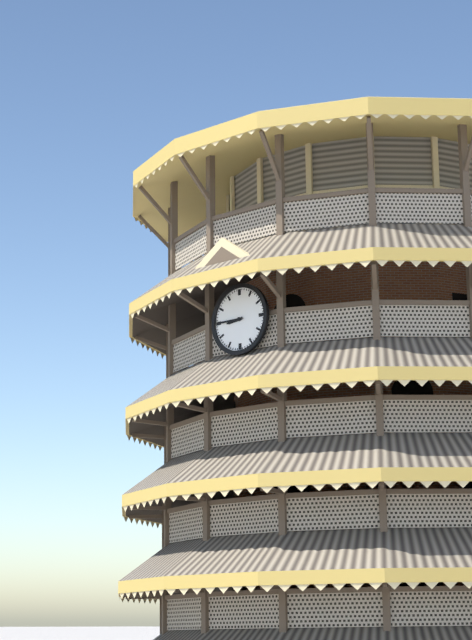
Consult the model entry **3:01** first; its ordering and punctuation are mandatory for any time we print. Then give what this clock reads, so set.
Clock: **8:45**
